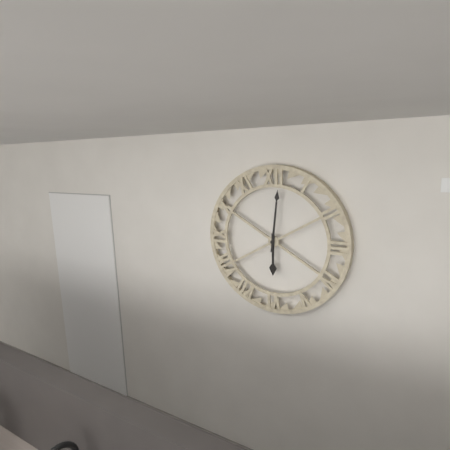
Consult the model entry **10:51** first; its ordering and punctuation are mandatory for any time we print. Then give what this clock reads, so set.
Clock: **6:01**
